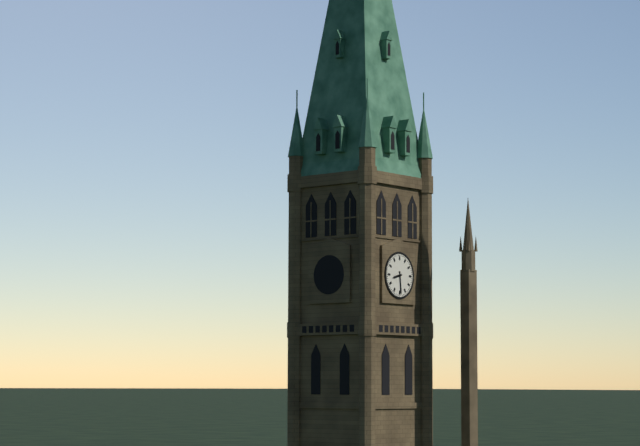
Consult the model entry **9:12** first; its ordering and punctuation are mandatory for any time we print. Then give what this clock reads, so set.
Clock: **8:29**
